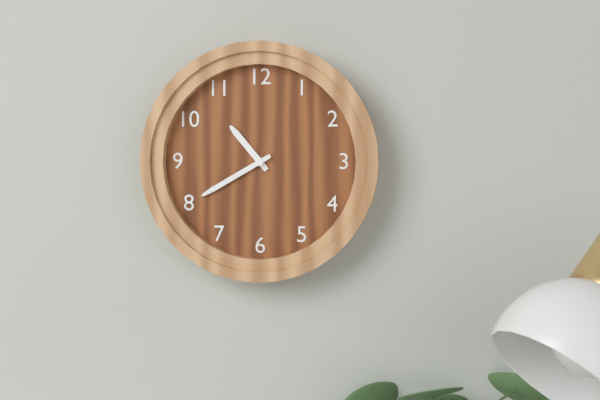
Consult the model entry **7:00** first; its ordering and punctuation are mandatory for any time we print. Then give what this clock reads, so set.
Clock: **10:40**
